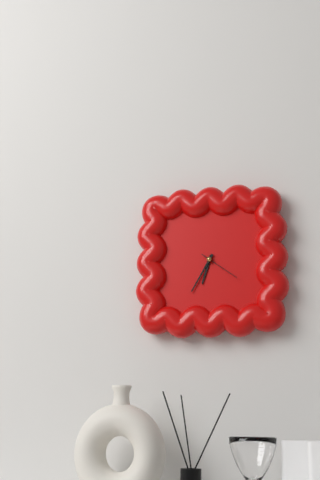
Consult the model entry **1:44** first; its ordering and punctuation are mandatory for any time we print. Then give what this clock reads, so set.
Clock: **6:35**
